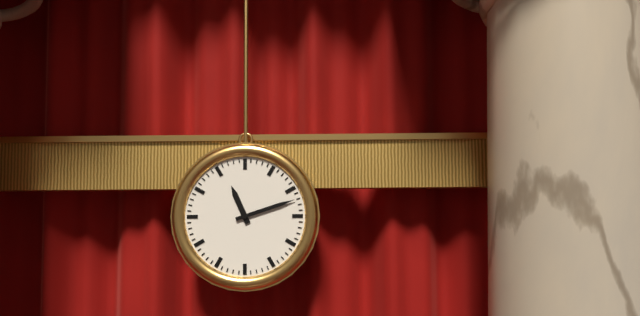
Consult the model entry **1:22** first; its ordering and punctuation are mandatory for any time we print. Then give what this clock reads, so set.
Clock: **11:12**
